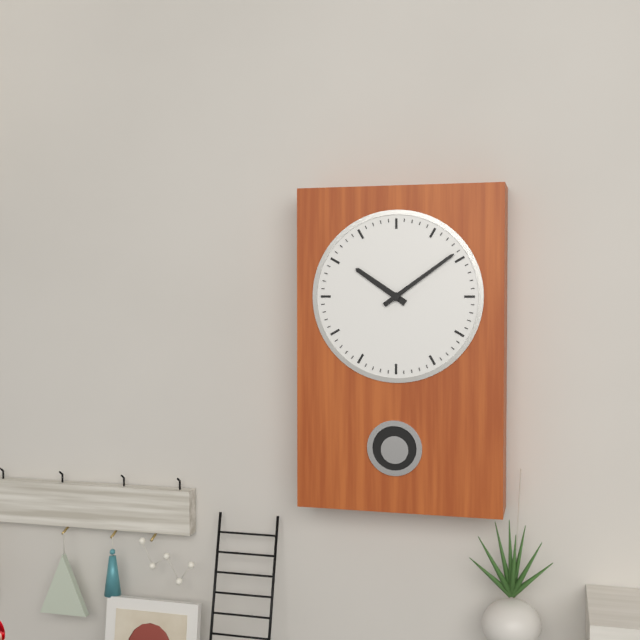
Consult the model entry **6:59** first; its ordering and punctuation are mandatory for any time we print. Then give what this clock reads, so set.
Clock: **10:09**
